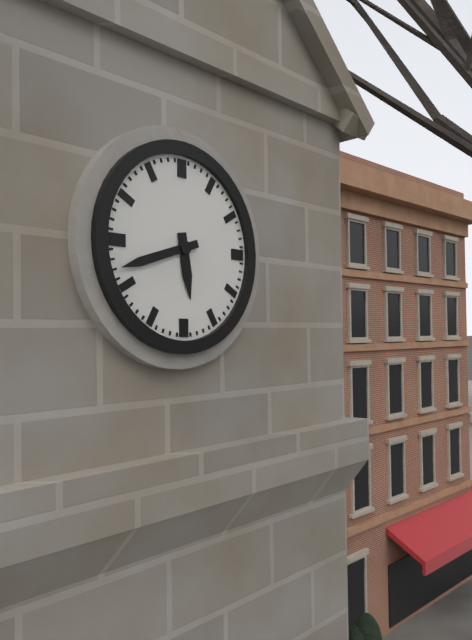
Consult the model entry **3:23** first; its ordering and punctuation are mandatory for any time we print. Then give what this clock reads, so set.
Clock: **5:42**
